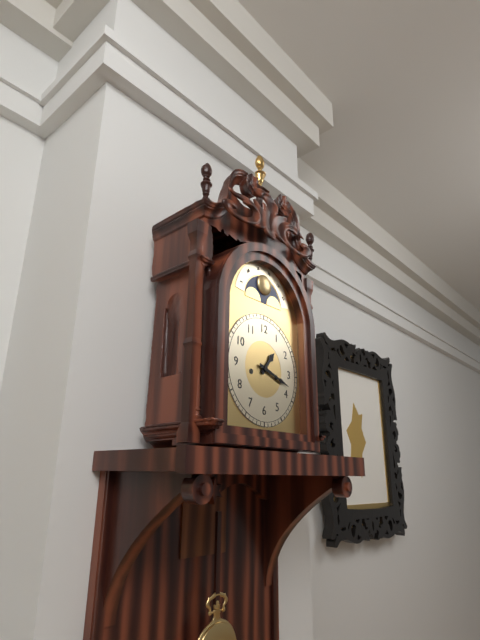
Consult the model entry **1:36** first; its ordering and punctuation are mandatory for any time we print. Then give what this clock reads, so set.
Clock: **1:18**
